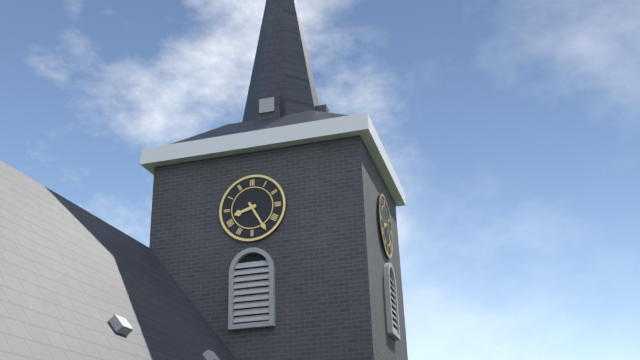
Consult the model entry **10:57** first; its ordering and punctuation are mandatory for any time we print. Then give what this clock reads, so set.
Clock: **8:25**
